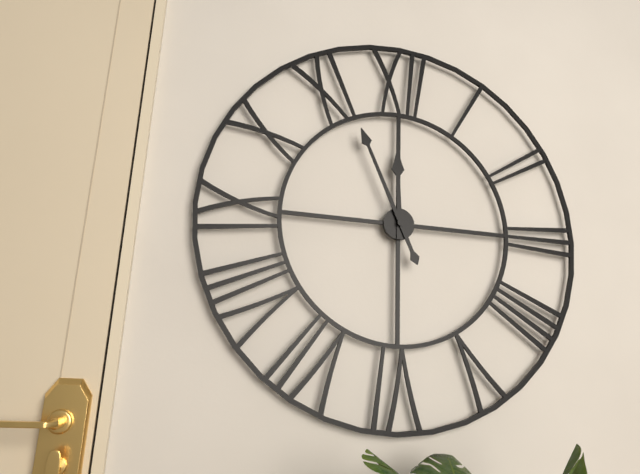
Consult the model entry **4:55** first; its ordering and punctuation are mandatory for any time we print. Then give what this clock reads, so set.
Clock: **11:56**
